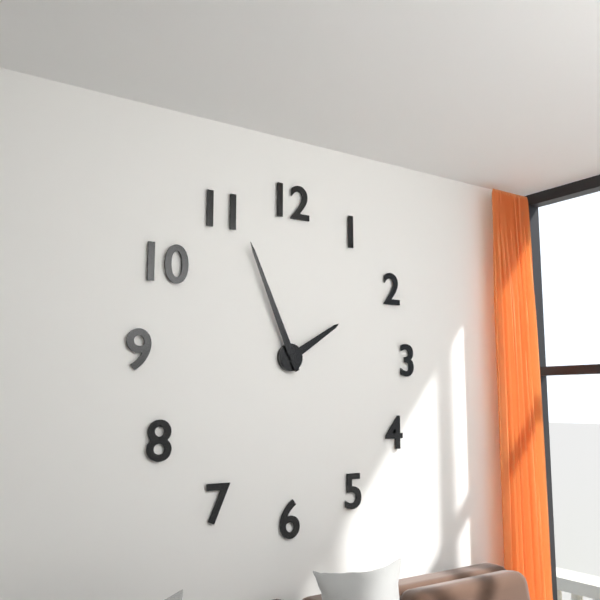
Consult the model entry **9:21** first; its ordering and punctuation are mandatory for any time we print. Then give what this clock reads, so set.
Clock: **1:56**
